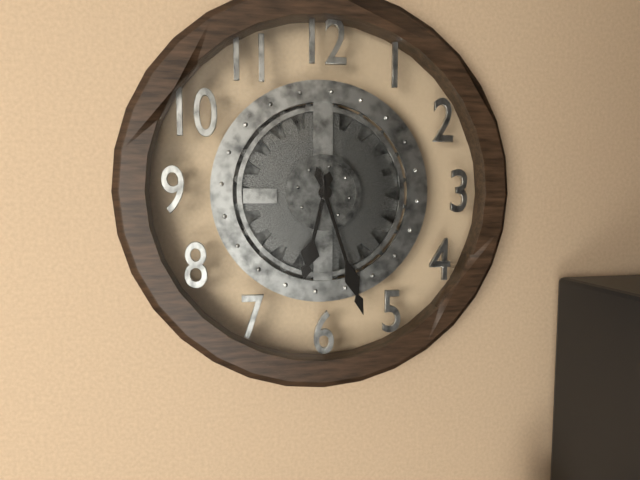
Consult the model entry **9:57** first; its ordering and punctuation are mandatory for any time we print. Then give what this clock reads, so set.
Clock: **6:27**
